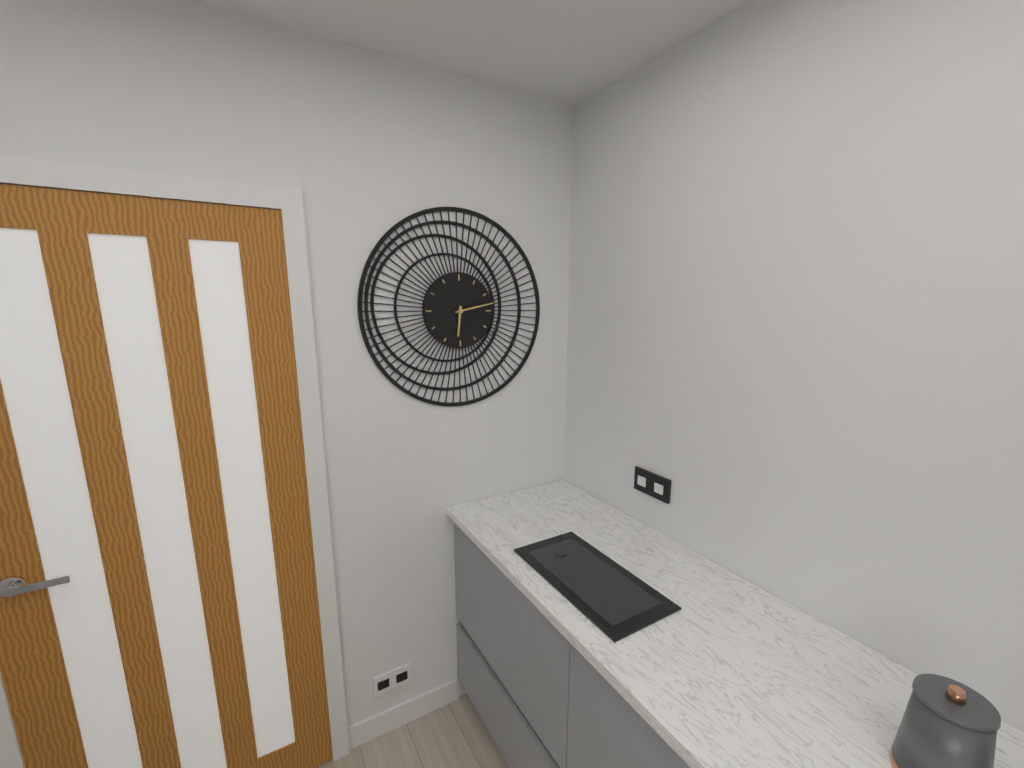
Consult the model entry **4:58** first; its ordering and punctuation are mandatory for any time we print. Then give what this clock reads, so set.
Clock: **6:13**
